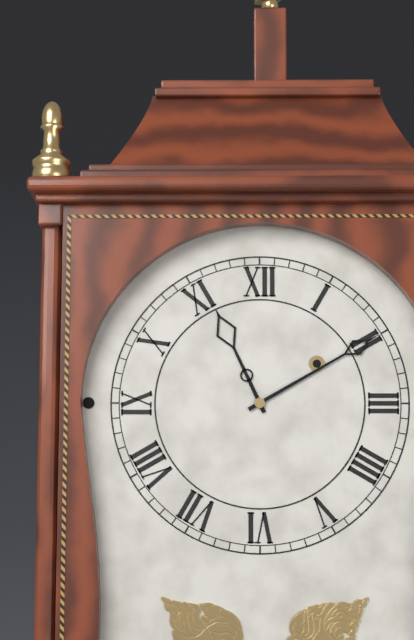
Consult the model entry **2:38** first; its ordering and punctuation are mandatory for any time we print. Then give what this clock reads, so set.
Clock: **11:10**
